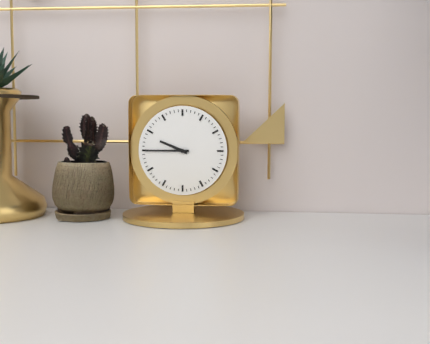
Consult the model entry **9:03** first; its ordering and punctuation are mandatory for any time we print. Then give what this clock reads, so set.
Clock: **9:45**
